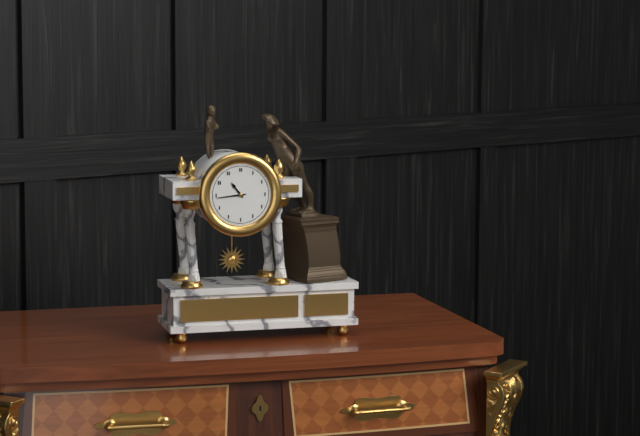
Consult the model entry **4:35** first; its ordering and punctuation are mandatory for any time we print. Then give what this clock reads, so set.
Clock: **10:44**
